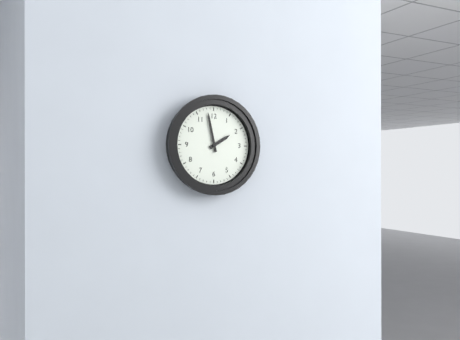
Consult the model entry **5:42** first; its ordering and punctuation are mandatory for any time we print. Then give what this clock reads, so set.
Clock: **1:58**
